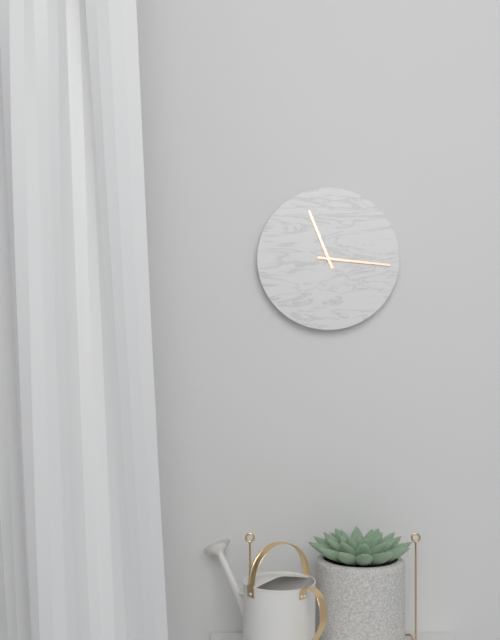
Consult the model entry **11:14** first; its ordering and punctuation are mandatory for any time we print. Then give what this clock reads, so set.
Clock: **11:16**
